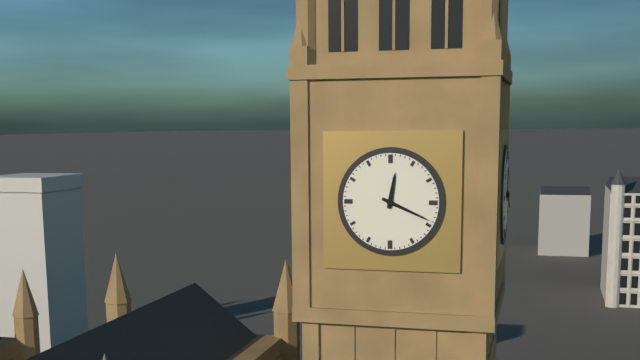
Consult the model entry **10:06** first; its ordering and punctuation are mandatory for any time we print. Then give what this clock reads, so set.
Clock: **12:19**
